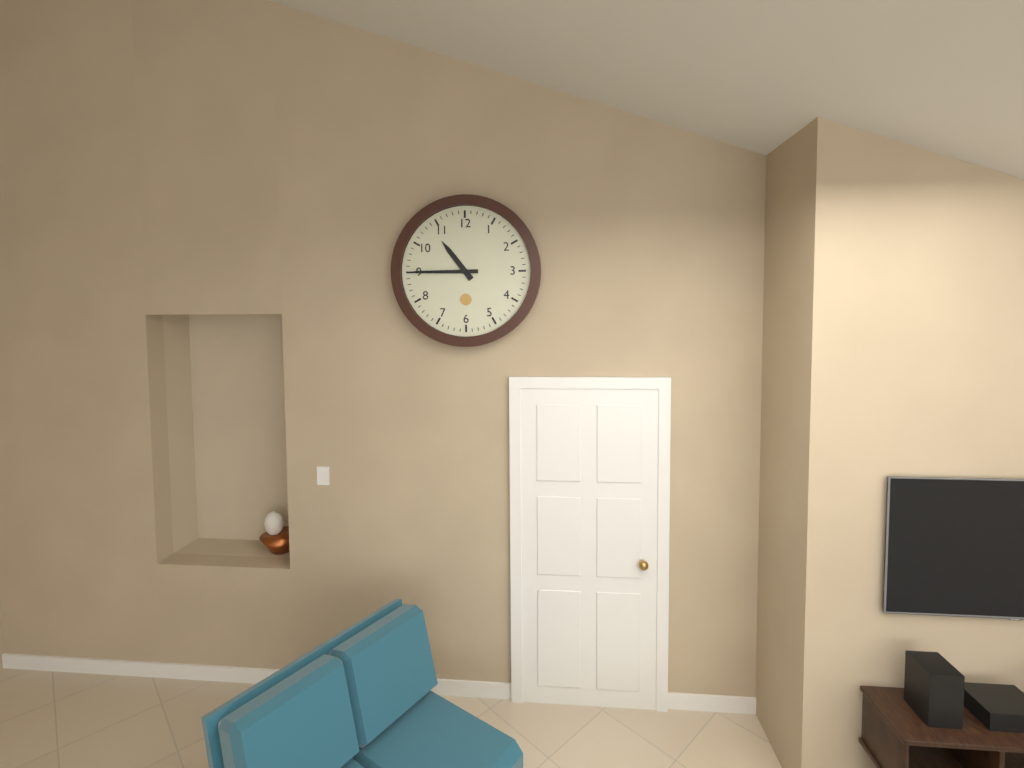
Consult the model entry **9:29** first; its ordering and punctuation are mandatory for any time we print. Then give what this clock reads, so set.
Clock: **10:45**
